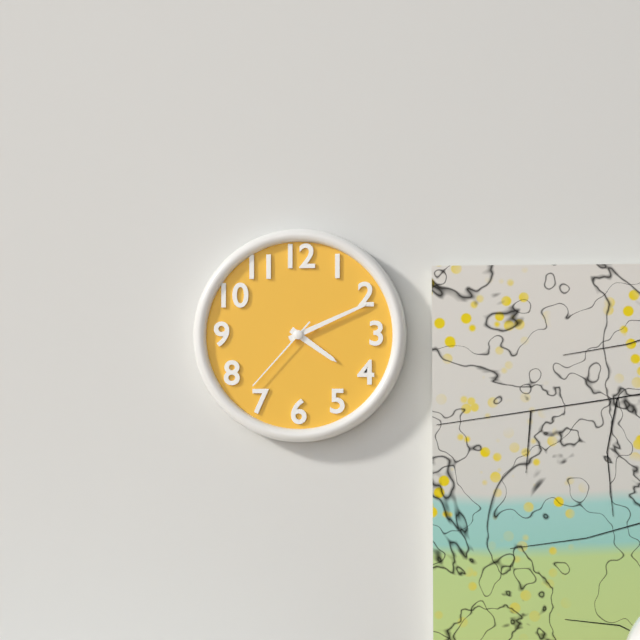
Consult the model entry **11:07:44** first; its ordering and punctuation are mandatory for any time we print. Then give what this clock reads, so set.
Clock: **4:11:37**
